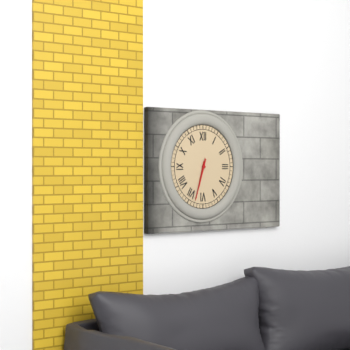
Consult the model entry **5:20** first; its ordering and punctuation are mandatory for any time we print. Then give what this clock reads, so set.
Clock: **6:33**
